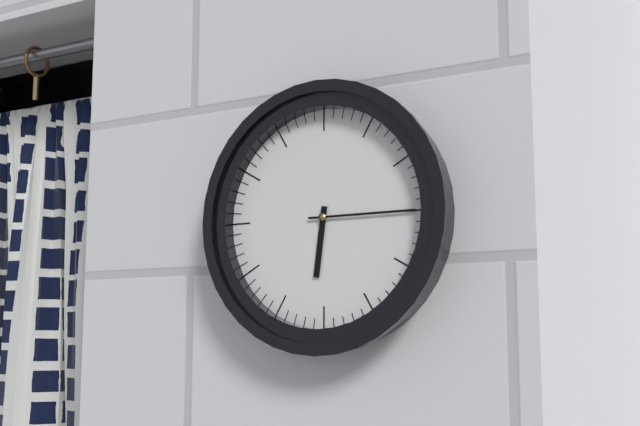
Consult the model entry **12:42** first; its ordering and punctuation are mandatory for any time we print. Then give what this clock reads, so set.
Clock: **6:15**
